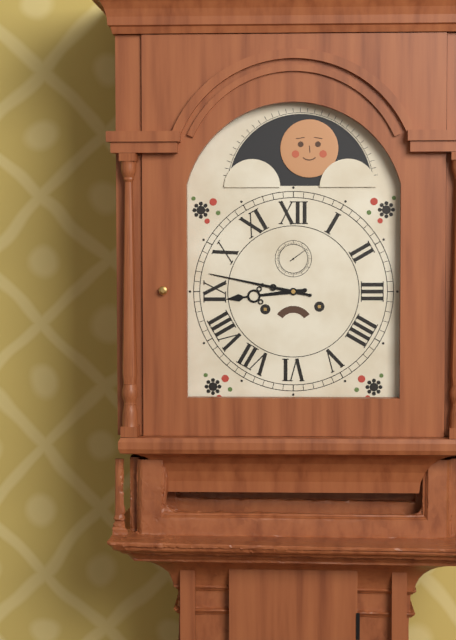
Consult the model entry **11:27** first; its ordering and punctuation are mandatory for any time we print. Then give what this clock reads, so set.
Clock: **8:47**
